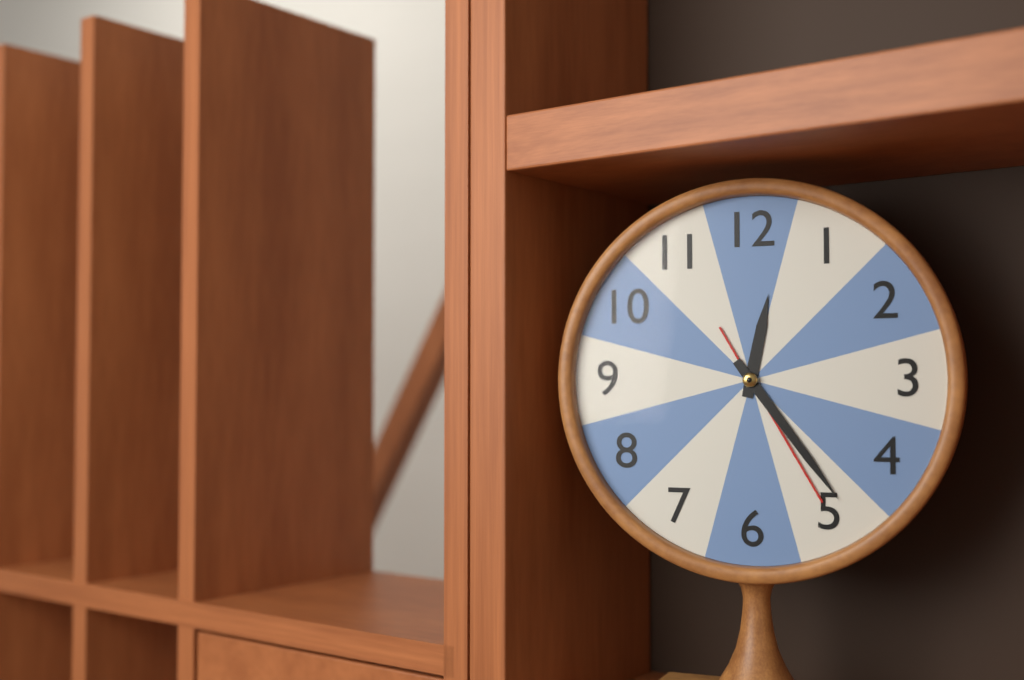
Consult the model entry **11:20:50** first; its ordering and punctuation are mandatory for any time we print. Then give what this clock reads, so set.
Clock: **12:24:25**
